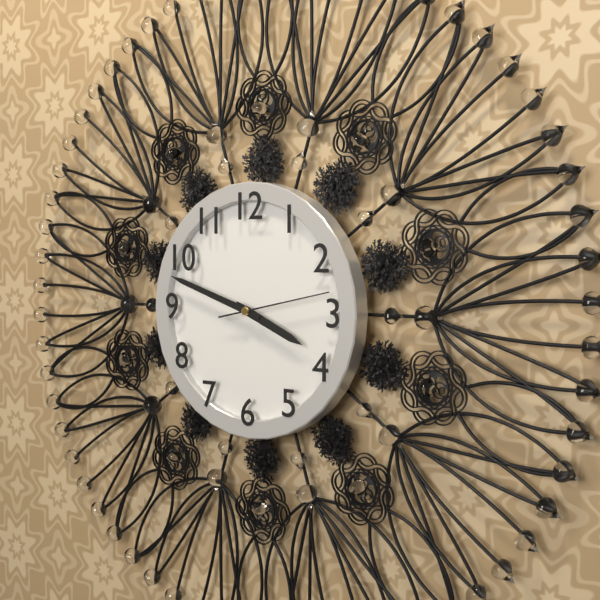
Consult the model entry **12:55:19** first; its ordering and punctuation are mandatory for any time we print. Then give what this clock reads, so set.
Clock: **3:48:13**
